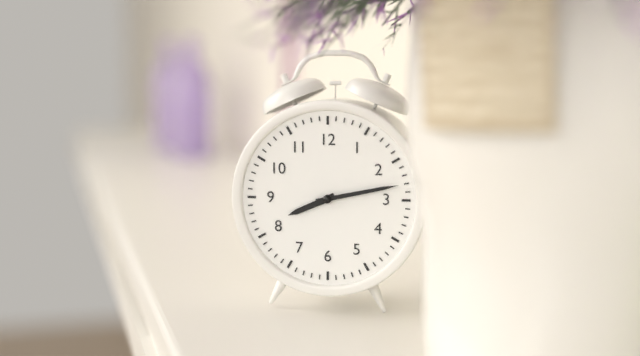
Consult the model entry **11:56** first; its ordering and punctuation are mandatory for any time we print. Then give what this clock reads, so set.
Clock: **8:13**
